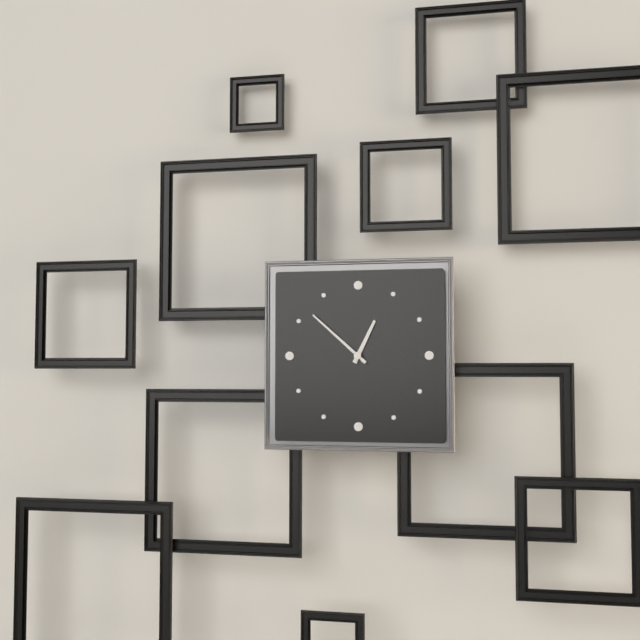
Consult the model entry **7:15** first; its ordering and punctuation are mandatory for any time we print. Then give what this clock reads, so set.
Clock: **12:52**
